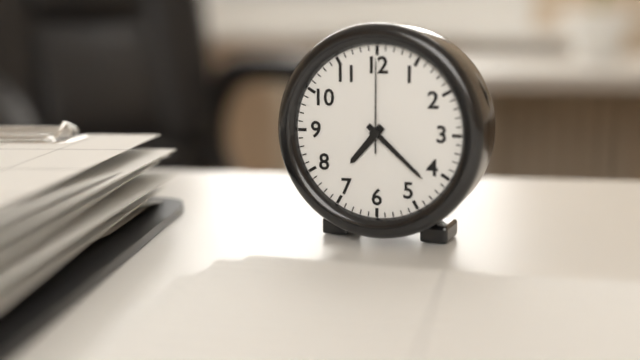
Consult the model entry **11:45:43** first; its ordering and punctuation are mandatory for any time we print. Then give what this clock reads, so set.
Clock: **7:22:00**
